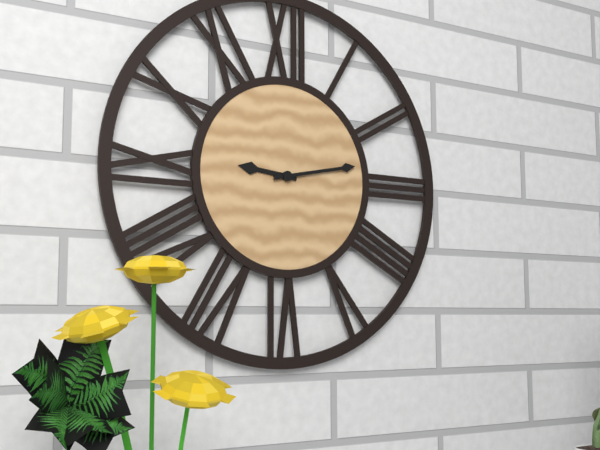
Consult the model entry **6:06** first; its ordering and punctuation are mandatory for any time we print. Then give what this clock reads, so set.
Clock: **9:13**
